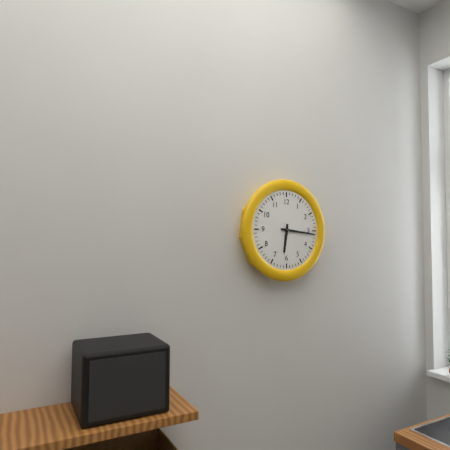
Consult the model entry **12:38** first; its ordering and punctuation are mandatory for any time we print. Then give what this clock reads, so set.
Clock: **6:16**
